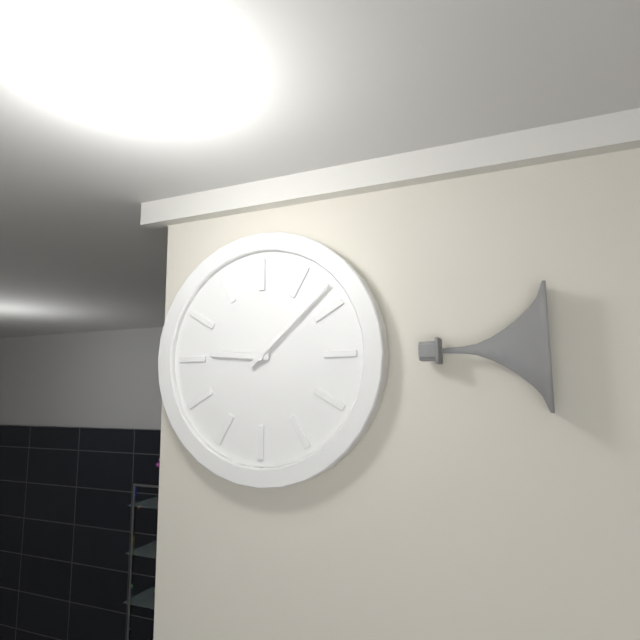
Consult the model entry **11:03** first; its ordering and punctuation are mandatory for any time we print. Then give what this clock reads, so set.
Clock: **9:08**
